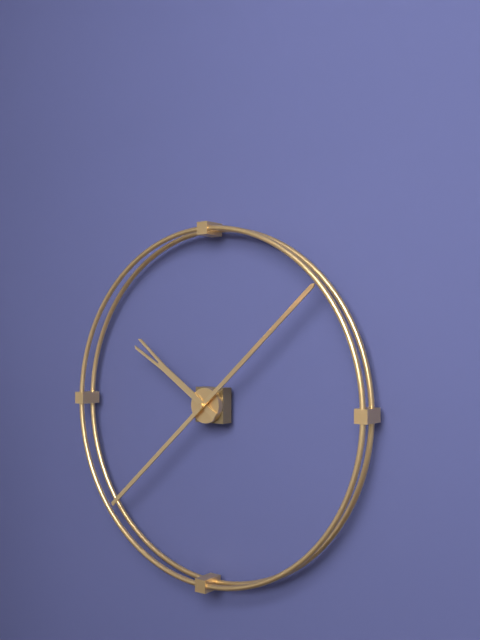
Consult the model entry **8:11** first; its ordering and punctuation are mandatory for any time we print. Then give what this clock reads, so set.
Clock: **10:08**
